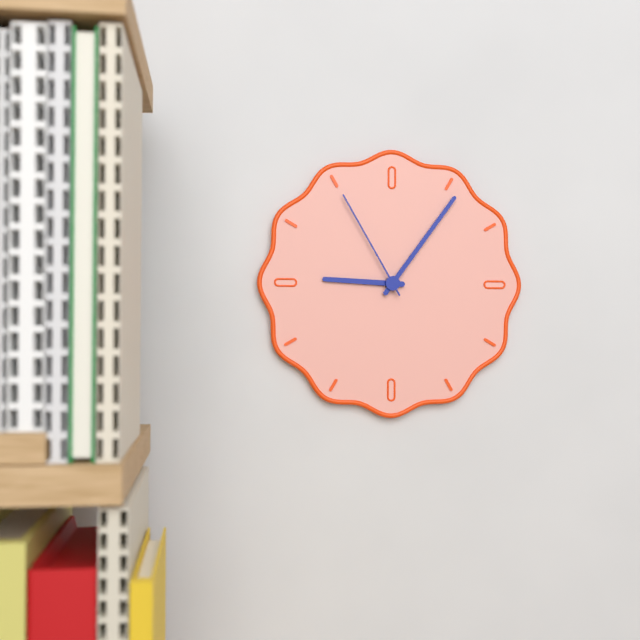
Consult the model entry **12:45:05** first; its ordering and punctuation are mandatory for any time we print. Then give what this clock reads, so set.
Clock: **9:06:55**
